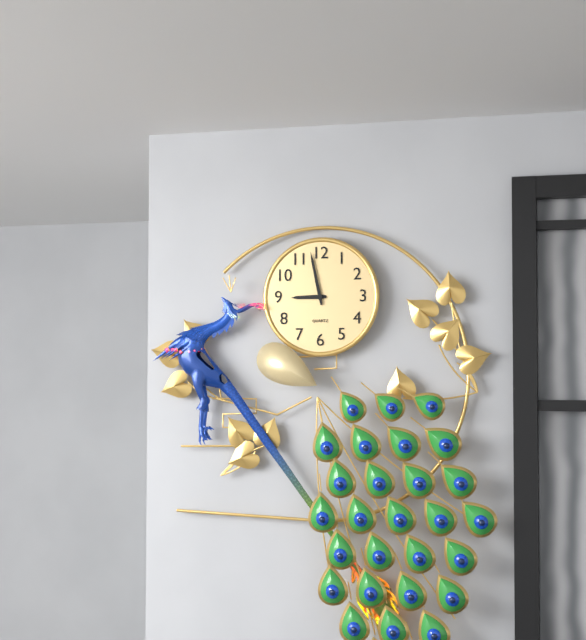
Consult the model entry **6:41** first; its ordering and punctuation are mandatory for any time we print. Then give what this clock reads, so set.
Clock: **8:58**
